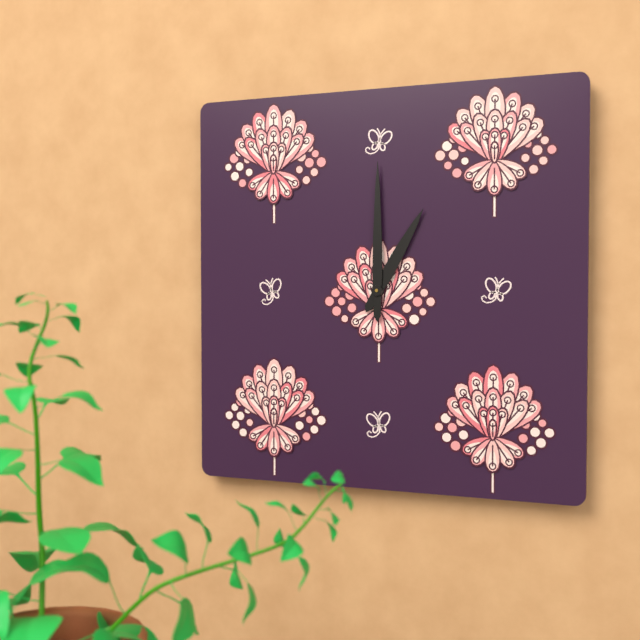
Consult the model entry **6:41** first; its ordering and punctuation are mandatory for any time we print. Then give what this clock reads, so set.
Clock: **1:00**
